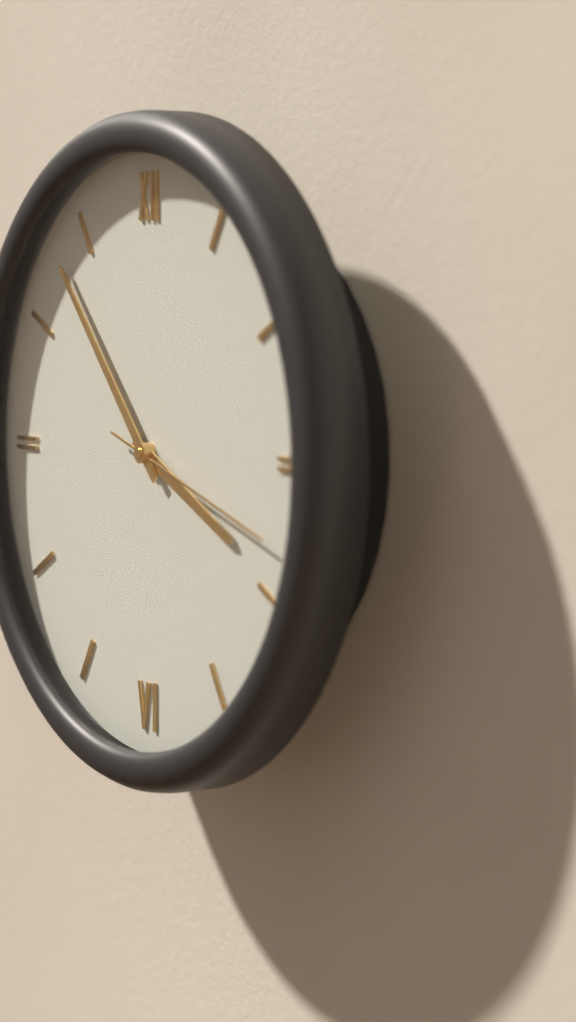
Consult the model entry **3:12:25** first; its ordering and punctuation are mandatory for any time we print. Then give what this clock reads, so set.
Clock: **3:53:18**
